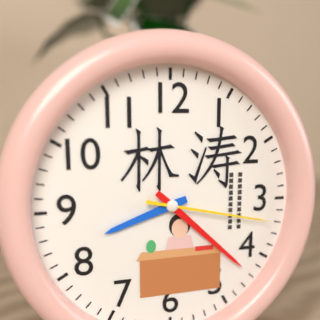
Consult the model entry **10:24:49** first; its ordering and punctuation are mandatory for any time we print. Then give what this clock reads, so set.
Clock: **8:22:17**
